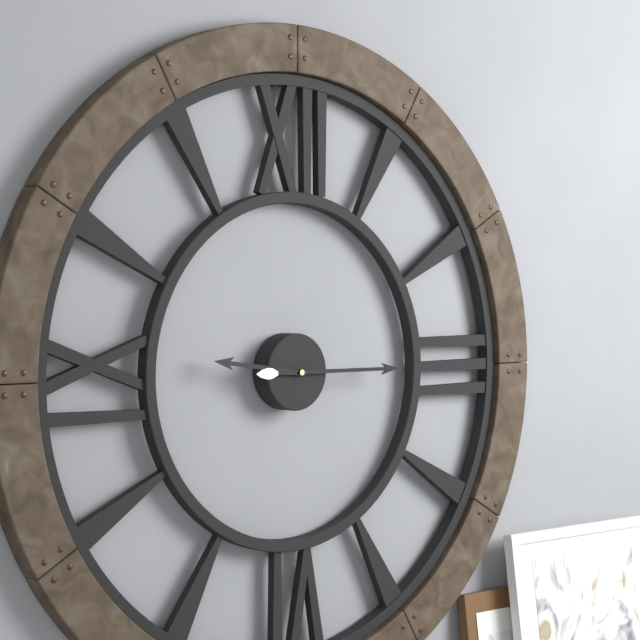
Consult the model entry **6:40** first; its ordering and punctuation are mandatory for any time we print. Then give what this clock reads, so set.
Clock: **9:15**
